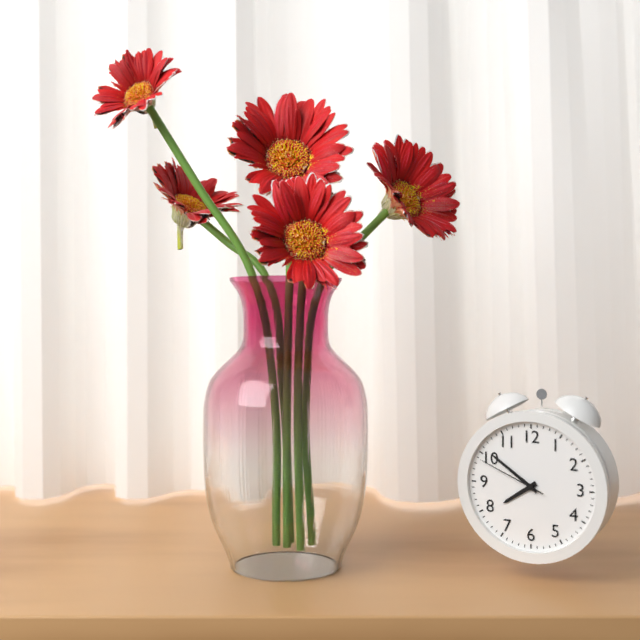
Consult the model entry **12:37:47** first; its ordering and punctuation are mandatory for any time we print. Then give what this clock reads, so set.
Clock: **7:51:49**
